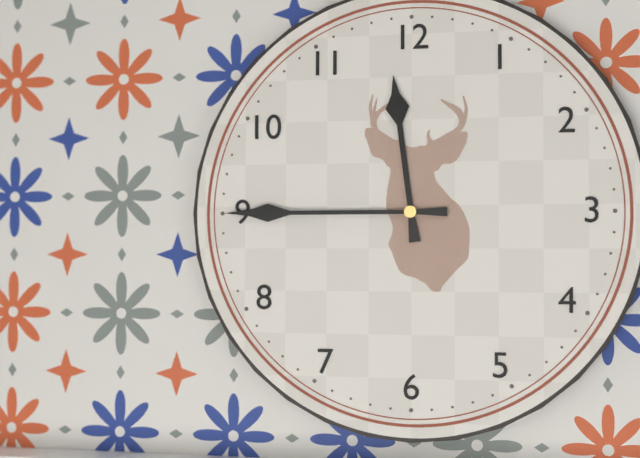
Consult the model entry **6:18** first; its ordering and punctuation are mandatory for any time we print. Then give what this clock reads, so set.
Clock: **11:45**
